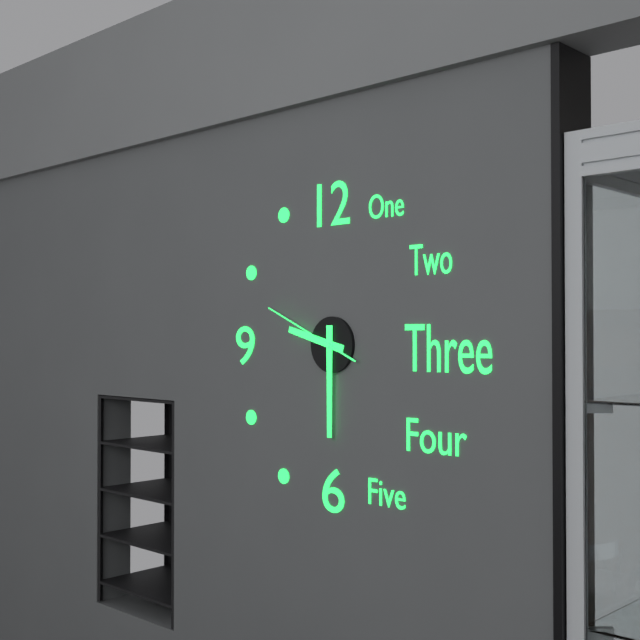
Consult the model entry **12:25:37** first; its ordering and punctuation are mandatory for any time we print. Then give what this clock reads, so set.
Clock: **9:30:49**
